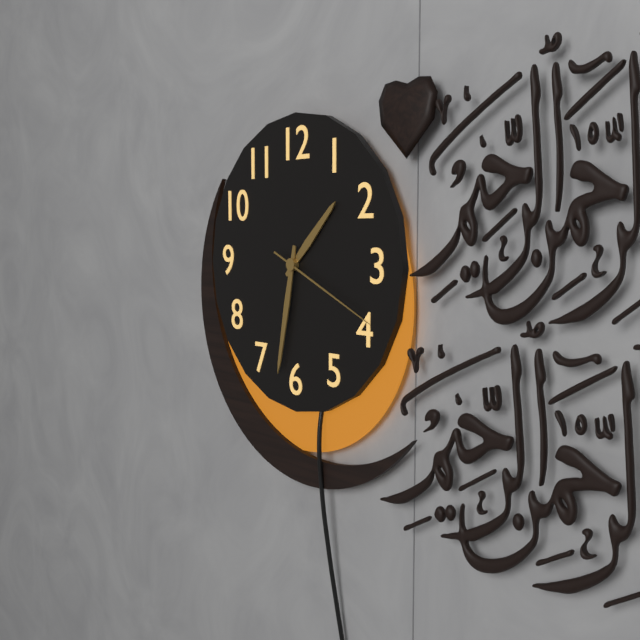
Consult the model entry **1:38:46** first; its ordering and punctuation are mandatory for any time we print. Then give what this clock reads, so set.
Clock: **1:32:19**
